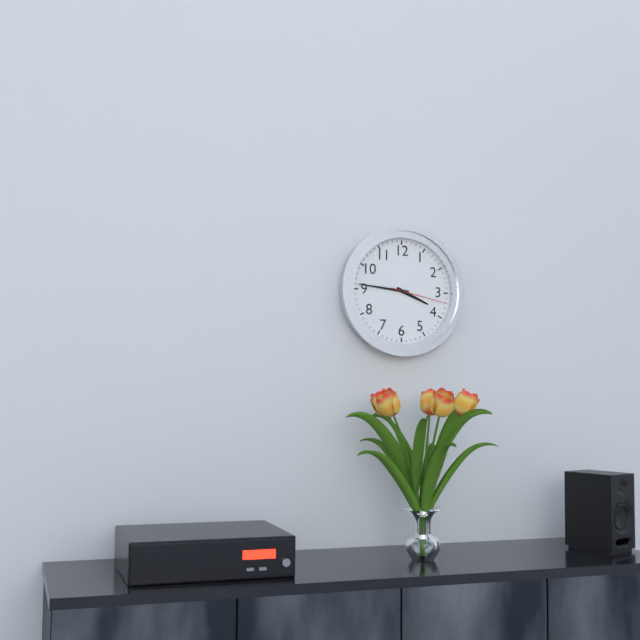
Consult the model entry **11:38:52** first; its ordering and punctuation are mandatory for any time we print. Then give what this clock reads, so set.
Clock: **3:46:17**
